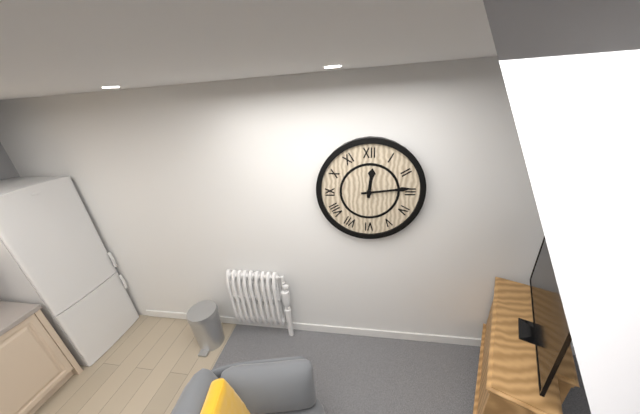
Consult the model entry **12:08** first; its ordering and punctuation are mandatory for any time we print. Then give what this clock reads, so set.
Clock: **12:14**
